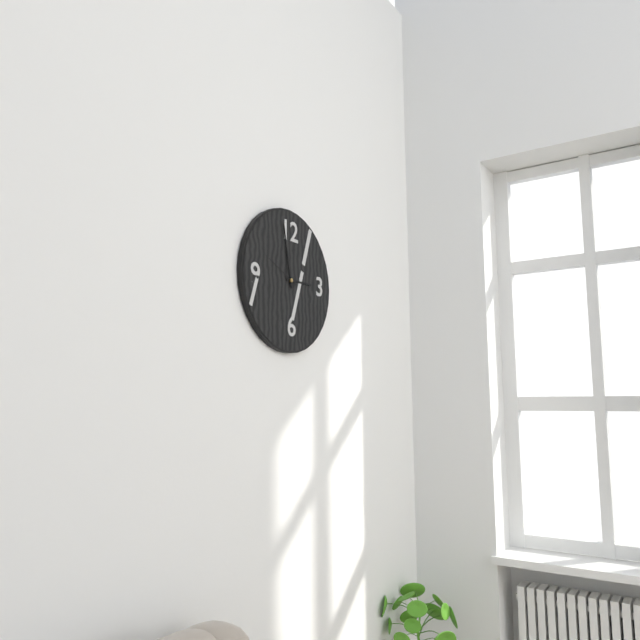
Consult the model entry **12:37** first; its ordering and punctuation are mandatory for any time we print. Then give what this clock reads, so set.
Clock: **2:58**
